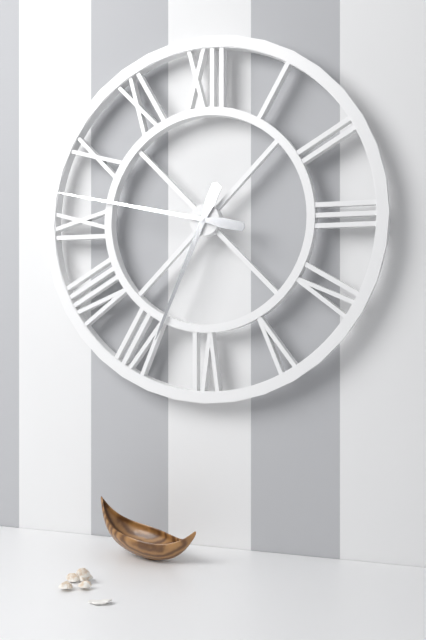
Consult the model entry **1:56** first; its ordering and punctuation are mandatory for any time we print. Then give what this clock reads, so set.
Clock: **6:47**
